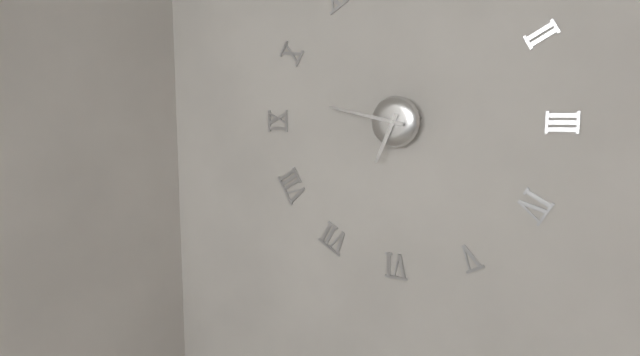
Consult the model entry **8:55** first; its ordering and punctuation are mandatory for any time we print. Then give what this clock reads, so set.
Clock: **6:47**
